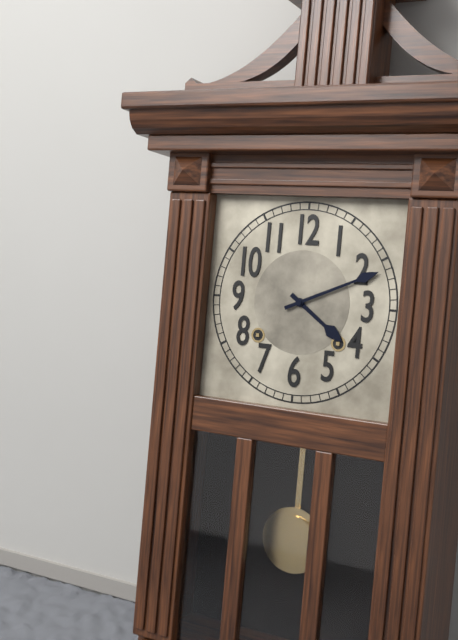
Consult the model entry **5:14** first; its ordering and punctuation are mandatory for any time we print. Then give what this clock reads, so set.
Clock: **4:11**
